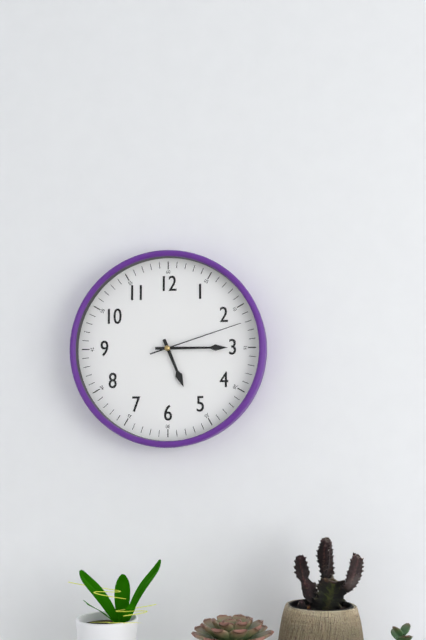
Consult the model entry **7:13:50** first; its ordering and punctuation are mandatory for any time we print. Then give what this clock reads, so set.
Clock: **5:15:12**
